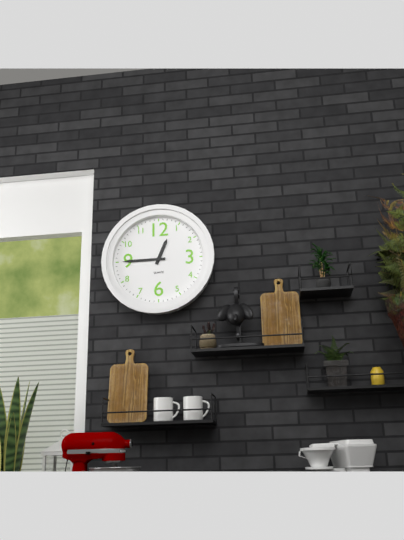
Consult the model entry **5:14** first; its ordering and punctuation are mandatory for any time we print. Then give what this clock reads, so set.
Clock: **12:45**
